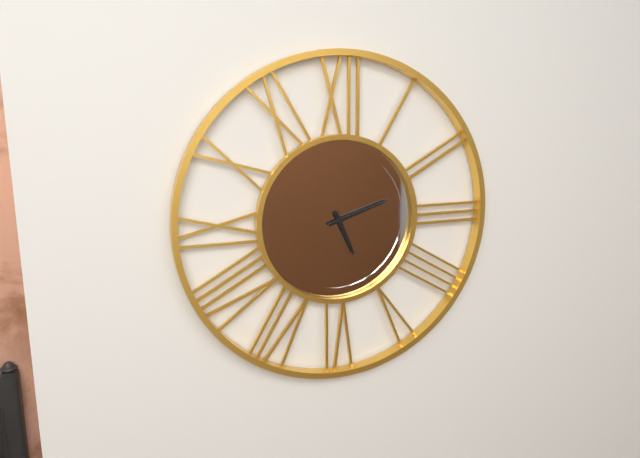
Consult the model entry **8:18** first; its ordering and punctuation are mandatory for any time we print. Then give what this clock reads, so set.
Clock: **5:12**
